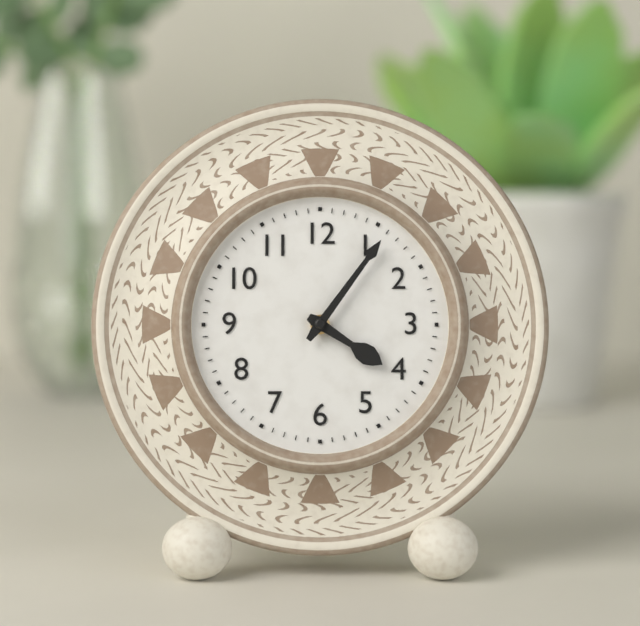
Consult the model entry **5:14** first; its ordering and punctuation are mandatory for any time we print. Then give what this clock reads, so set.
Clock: **4:06**
